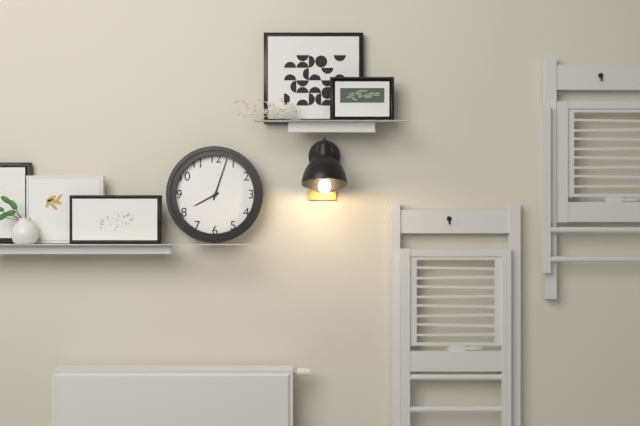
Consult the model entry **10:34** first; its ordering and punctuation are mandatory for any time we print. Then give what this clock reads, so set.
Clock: **8:03**
